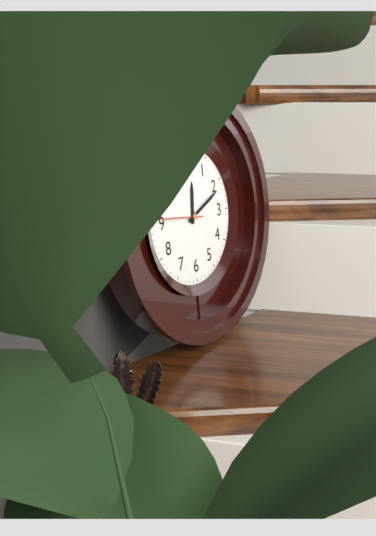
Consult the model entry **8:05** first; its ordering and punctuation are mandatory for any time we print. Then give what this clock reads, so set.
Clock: **12:11**
